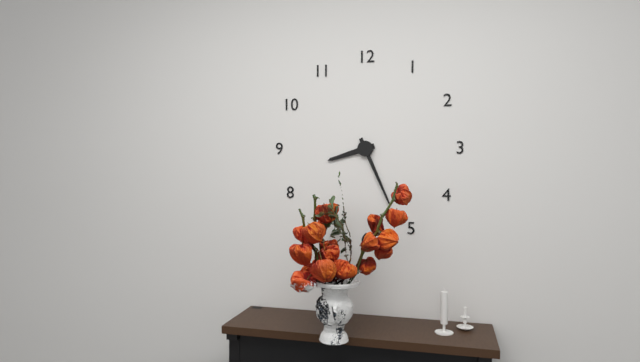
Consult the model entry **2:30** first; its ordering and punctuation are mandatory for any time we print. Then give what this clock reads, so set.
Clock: **8:26**
